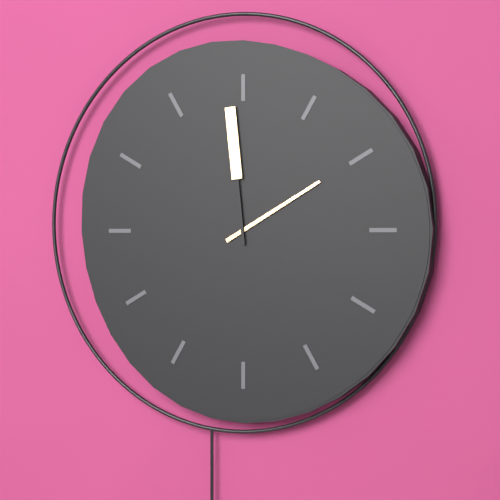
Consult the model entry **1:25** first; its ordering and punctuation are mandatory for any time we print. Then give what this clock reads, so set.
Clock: **1:59**
